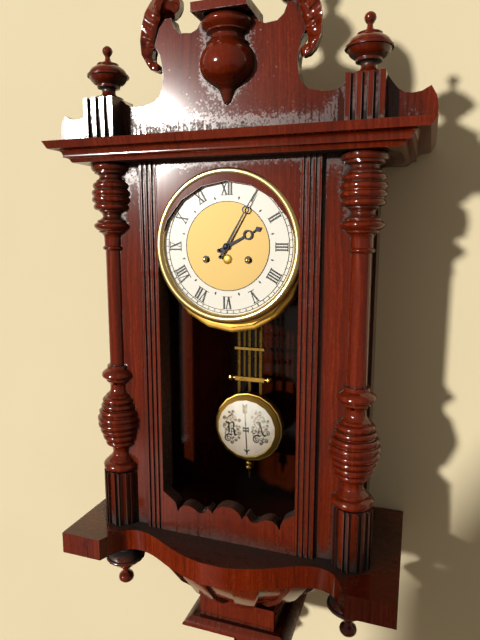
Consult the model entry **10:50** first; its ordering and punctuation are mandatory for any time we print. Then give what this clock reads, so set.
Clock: **2:05**
